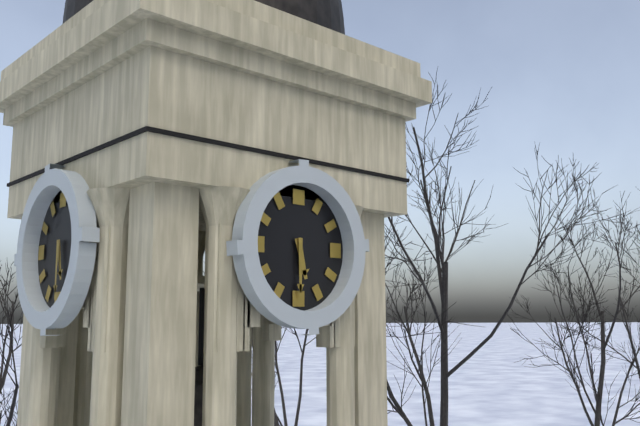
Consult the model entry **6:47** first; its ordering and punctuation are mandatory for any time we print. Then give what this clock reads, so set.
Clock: **5:30**
